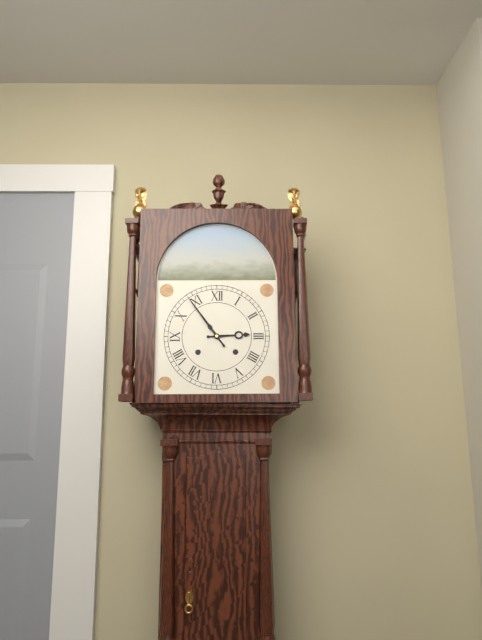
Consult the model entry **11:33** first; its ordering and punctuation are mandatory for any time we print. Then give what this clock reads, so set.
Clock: **2:54**
